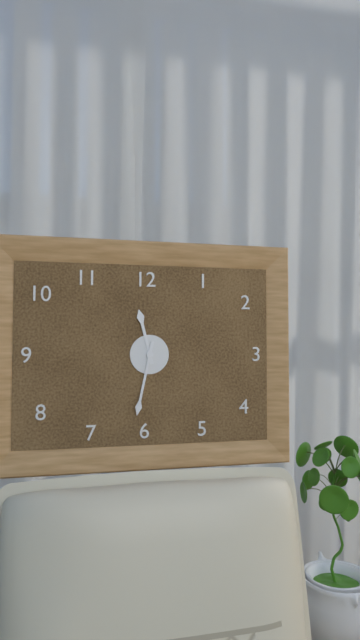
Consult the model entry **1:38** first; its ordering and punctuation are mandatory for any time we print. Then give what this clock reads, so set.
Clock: **11:32**
